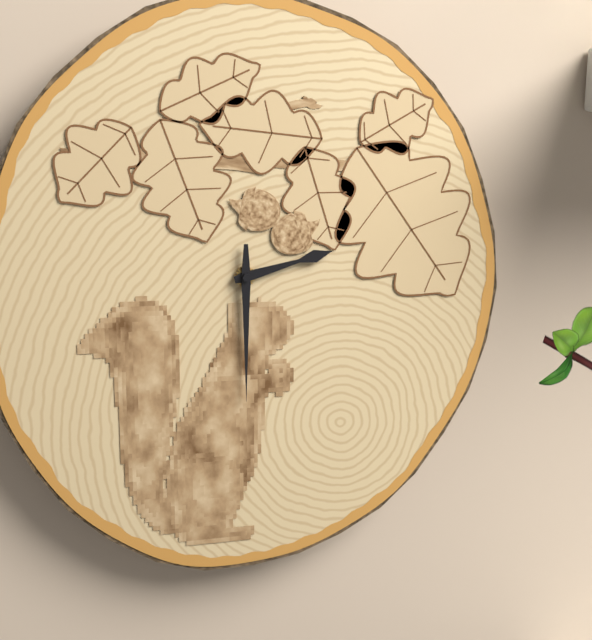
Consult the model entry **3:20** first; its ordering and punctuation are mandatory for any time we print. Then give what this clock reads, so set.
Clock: **2:30**
